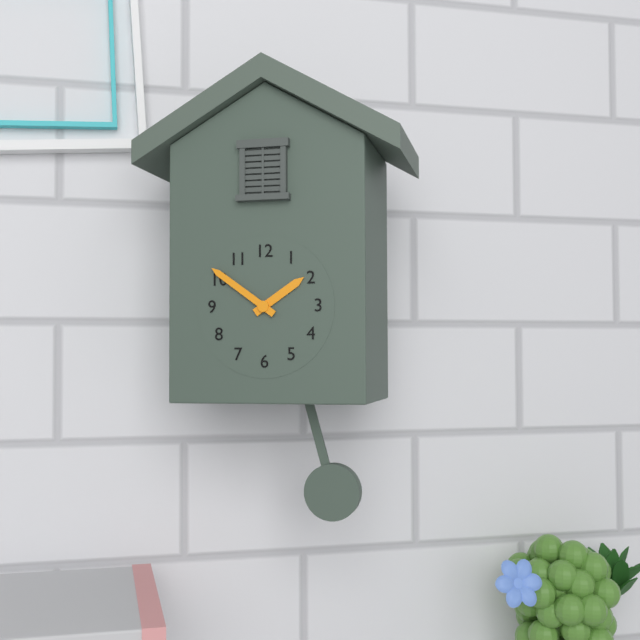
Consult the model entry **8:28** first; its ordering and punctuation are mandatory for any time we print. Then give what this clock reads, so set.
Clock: **1:51**
